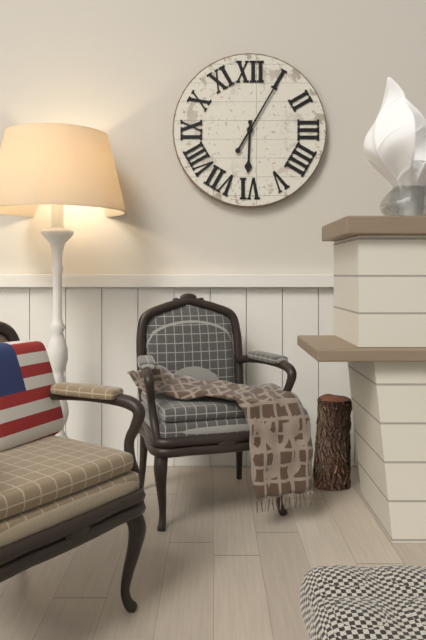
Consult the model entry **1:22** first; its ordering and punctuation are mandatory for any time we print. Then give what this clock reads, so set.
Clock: **6:05**
